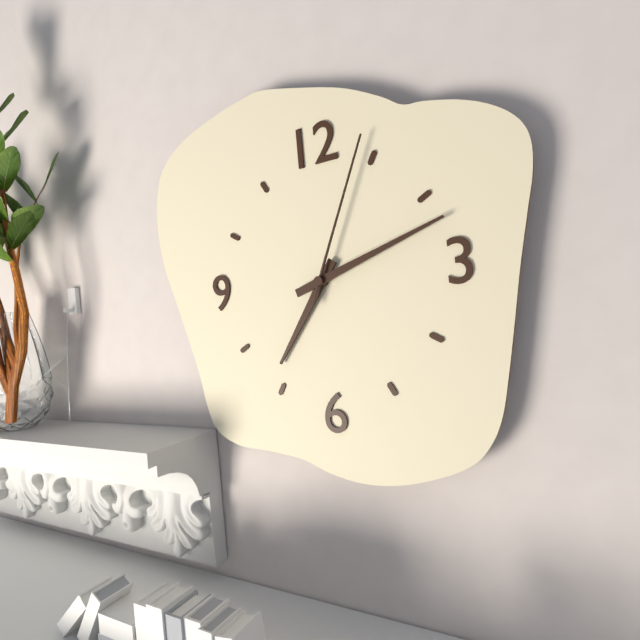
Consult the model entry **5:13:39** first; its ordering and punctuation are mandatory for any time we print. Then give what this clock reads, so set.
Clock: **7:12:04**
